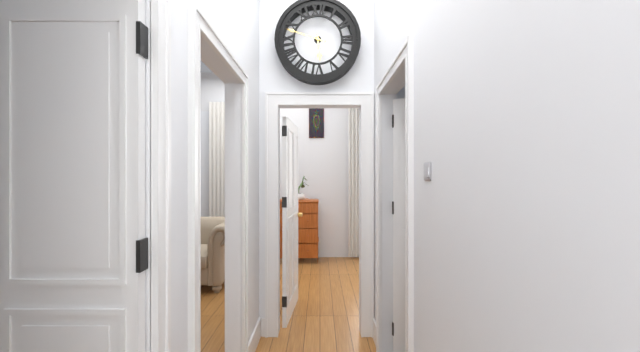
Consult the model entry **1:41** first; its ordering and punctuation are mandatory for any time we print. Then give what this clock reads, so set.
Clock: **5:48**
